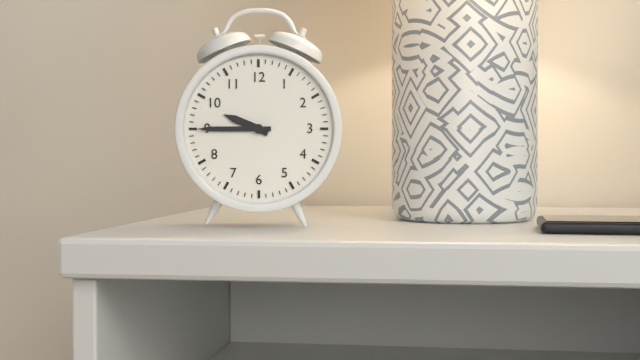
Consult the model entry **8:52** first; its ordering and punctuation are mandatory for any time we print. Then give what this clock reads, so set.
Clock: **9:45**
